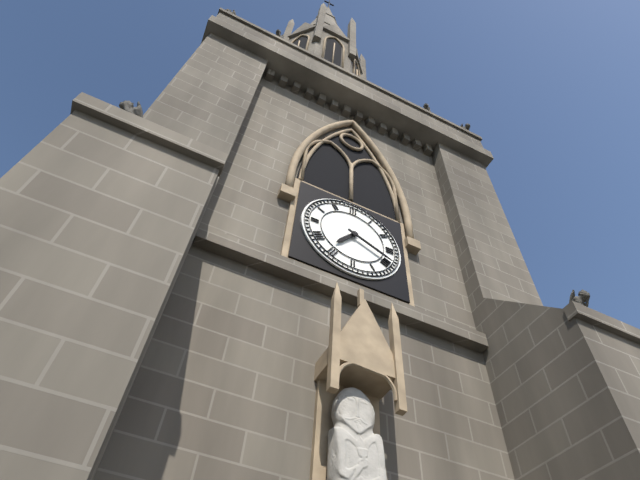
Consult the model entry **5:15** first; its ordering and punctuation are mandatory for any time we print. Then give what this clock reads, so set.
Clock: **7:19**
